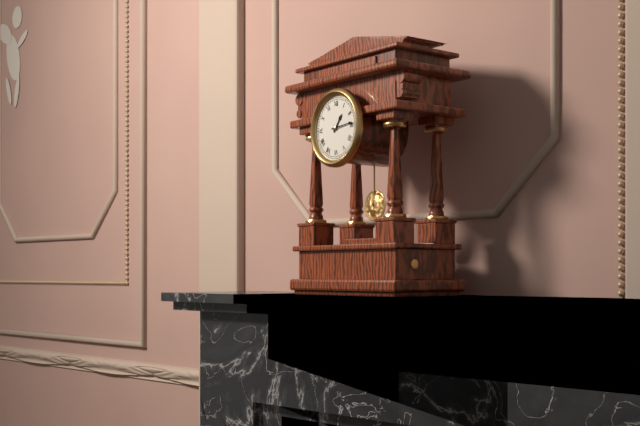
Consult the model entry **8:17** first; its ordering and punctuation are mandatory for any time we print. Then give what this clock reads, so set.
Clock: **1:14**
